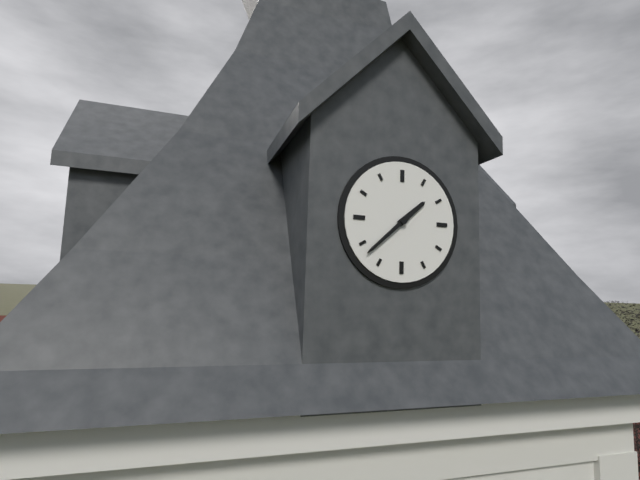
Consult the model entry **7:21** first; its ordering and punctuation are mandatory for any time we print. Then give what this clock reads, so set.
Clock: **1:38**
